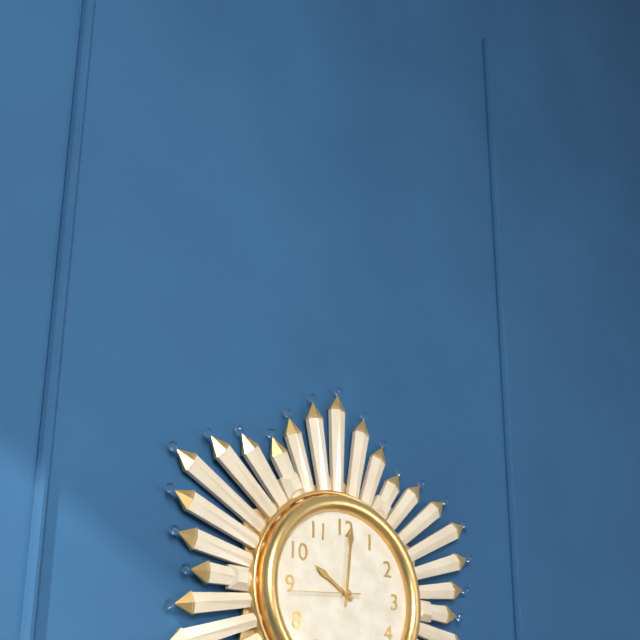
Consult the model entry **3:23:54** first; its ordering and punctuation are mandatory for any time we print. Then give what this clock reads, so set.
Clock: **10:01:44**
